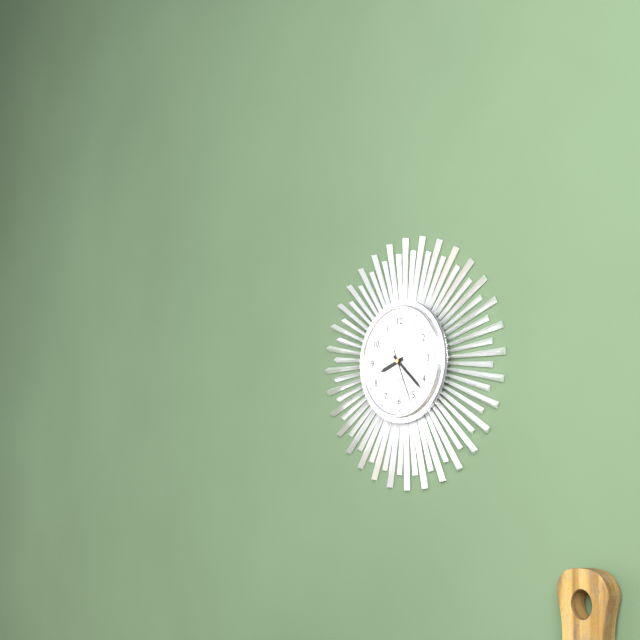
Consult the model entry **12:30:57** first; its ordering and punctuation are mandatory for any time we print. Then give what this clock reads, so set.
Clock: **8:22:26**
